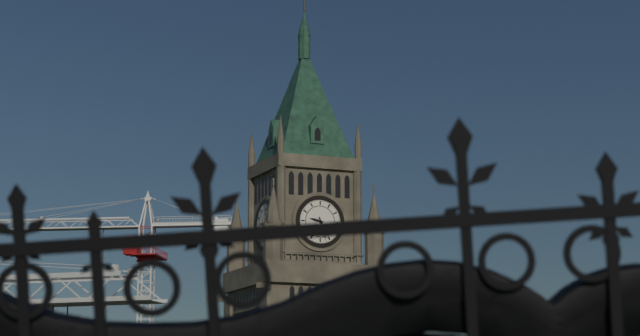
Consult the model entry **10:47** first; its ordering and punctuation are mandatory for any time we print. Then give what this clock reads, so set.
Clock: **9:27**
